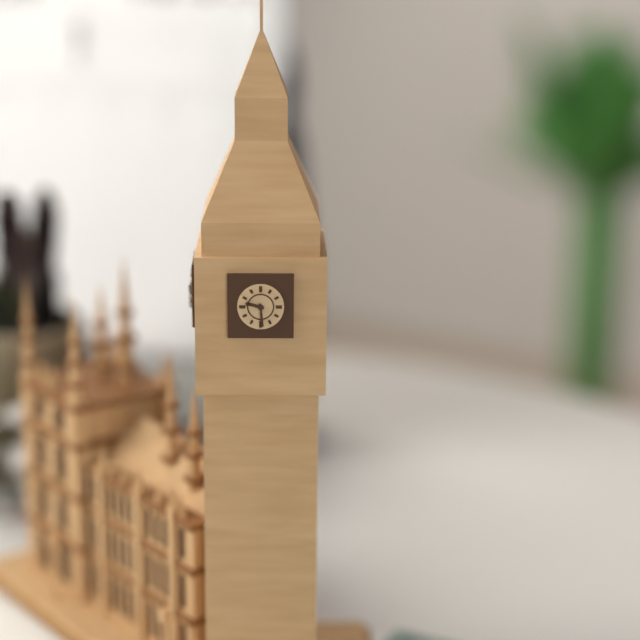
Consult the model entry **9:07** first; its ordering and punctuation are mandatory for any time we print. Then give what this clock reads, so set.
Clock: **9:29**
